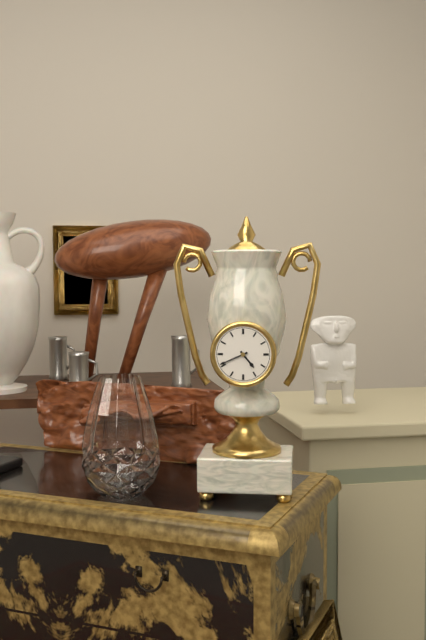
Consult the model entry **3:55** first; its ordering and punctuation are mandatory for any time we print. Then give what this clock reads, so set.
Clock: **4:41**
